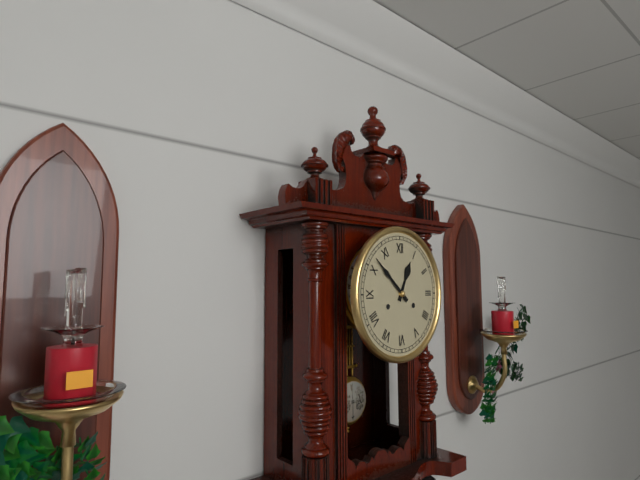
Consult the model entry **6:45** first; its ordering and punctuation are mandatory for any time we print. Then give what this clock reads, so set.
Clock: **12:52**
